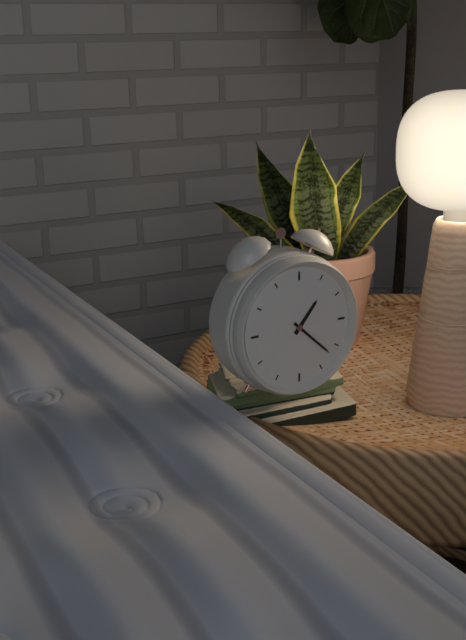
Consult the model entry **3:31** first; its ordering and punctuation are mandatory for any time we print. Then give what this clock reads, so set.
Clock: **1:22**
